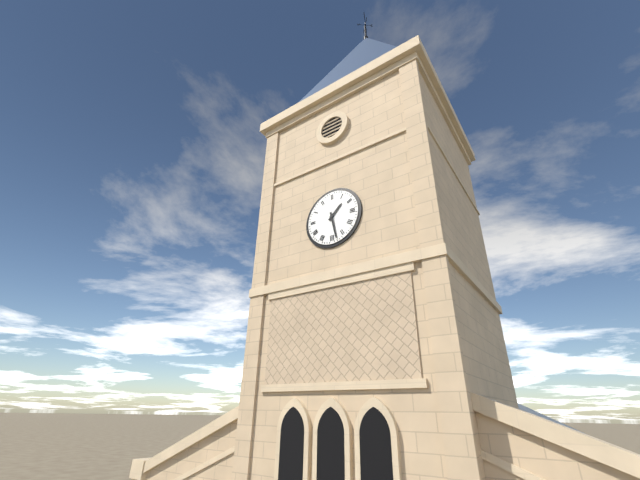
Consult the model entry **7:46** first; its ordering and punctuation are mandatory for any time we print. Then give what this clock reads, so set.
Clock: **1:28**
